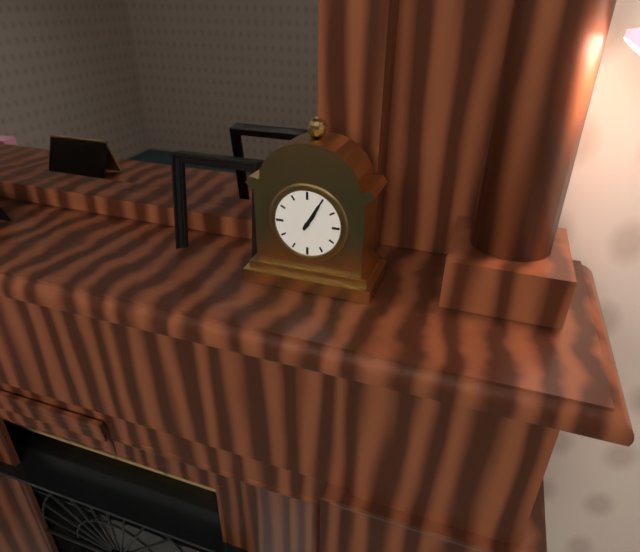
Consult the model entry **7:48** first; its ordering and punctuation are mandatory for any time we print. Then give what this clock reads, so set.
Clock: **1:05**
